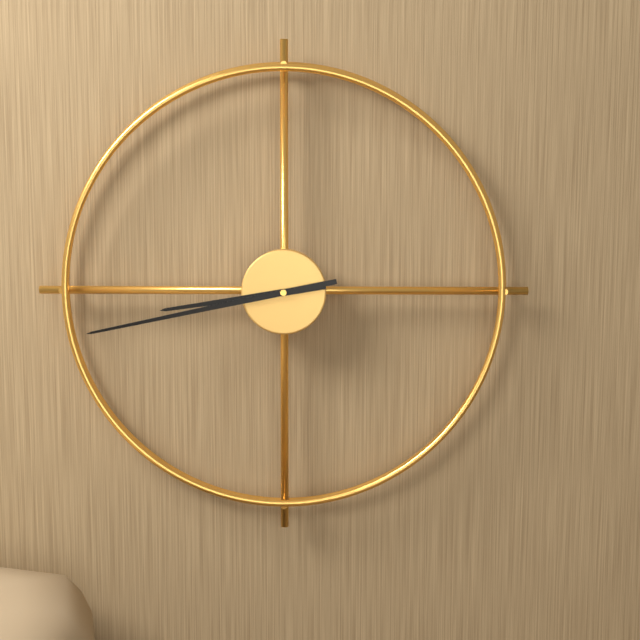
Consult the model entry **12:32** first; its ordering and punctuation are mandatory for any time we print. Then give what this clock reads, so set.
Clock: **8:43**
